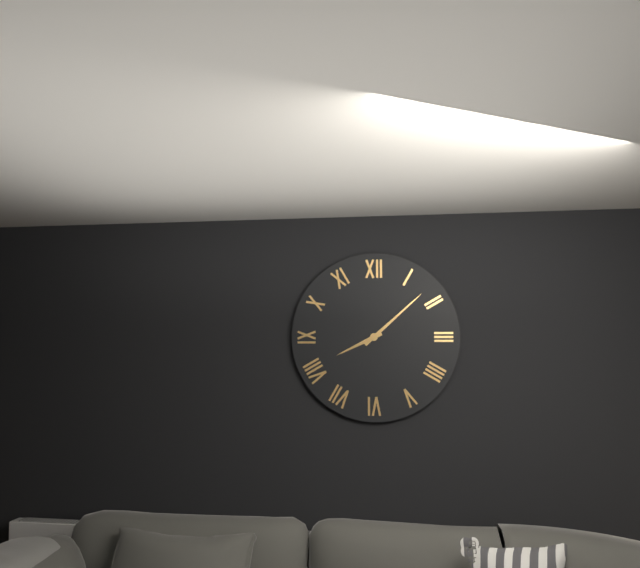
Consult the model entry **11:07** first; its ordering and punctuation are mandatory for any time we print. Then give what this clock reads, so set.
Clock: **8:08**
